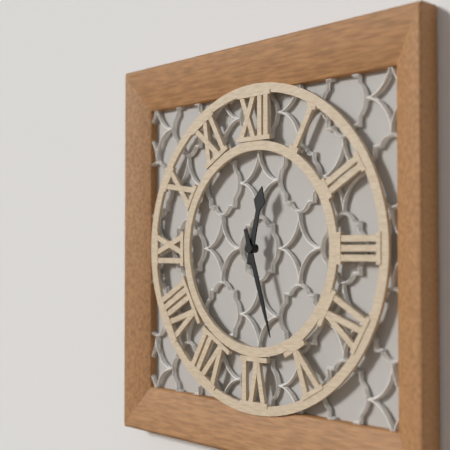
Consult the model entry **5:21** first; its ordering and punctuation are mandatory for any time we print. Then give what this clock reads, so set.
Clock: **12:27**
